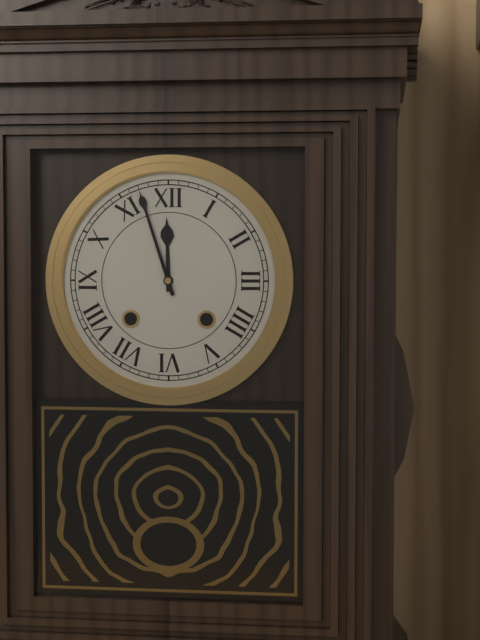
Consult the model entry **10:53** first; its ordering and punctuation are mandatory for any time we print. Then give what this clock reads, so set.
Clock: **11:57**
